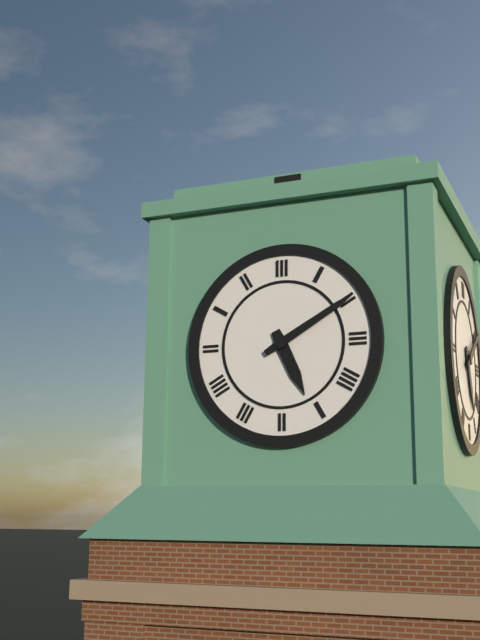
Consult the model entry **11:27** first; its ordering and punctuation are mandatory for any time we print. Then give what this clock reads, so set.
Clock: **5:10**
